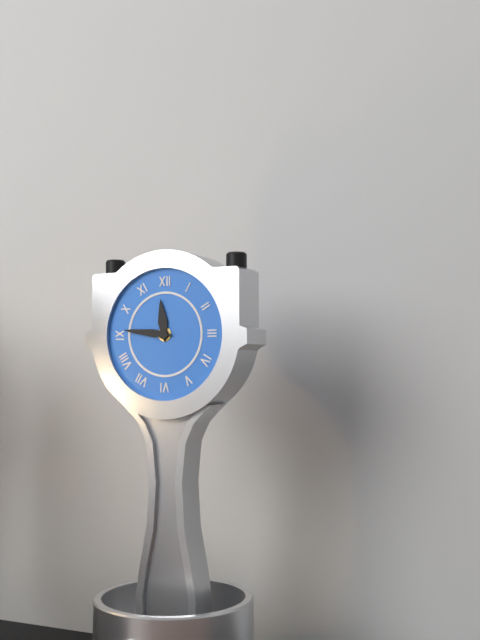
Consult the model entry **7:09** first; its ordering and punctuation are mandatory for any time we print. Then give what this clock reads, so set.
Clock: **11:46**
